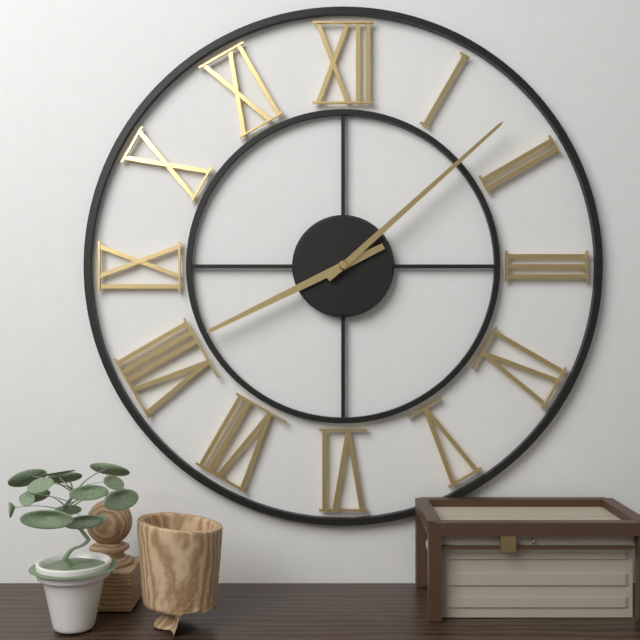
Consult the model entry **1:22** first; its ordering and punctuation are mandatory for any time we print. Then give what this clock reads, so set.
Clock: **8:08**
